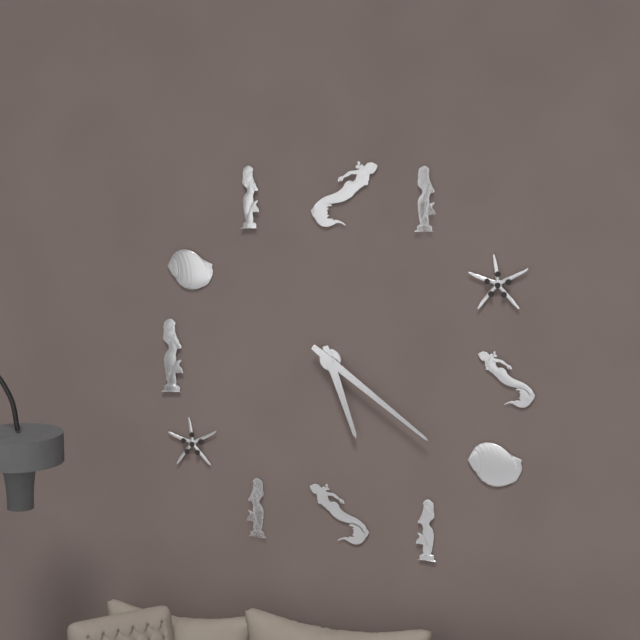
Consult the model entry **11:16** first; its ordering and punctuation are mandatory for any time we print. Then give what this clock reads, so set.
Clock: **5:21**
